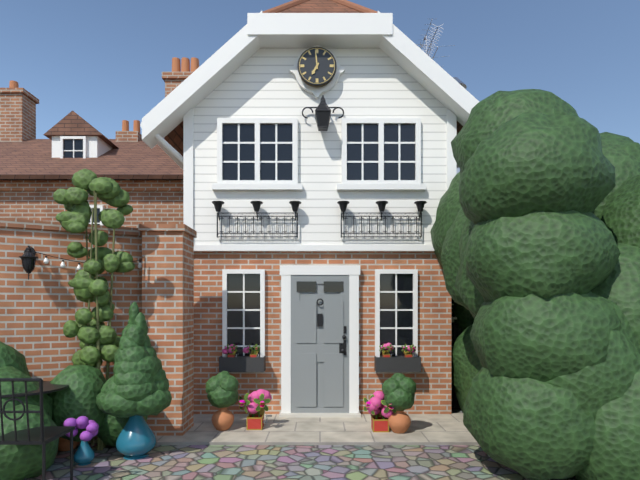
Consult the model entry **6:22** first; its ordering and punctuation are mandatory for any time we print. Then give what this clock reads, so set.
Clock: **6:59**
